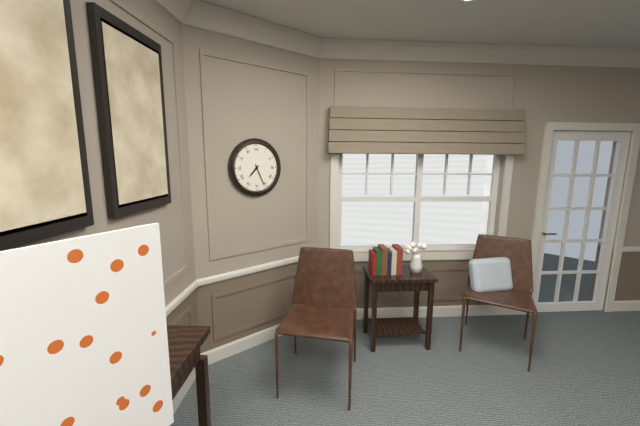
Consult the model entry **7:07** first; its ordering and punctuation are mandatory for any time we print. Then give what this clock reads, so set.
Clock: **7:26**
